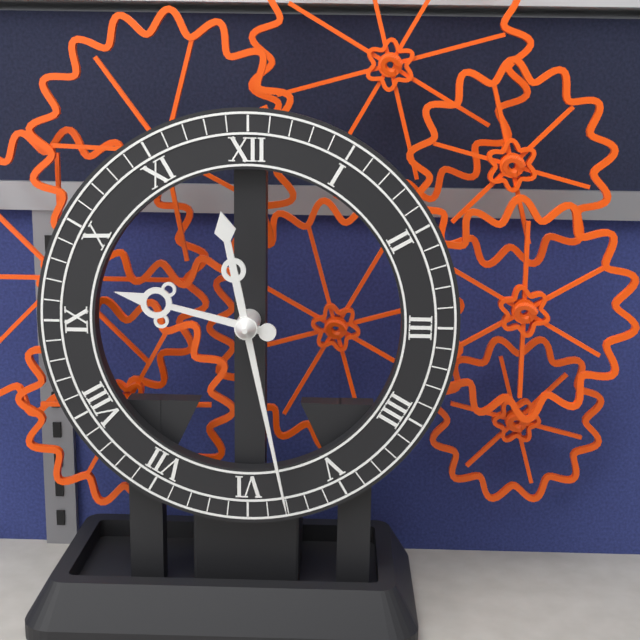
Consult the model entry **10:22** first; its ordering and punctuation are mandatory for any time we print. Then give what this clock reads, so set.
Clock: **9:28**
